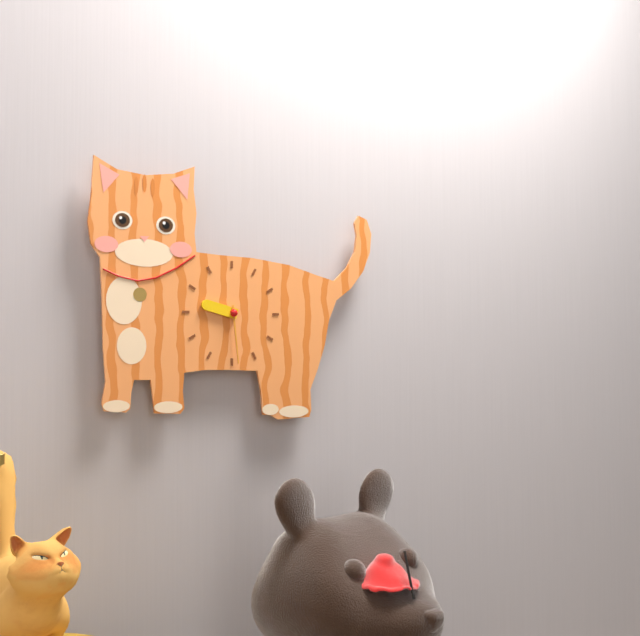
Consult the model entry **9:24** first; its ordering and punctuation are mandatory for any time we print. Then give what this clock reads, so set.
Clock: **9:29**
